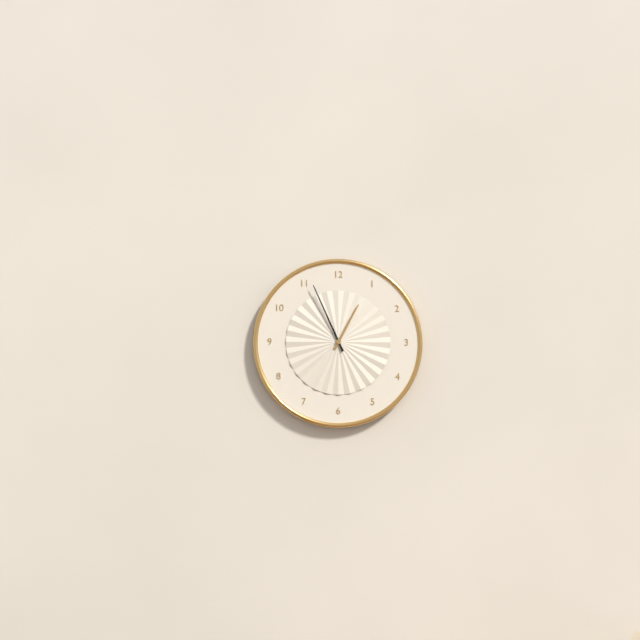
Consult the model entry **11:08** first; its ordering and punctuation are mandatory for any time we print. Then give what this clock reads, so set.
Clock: **12:56**
